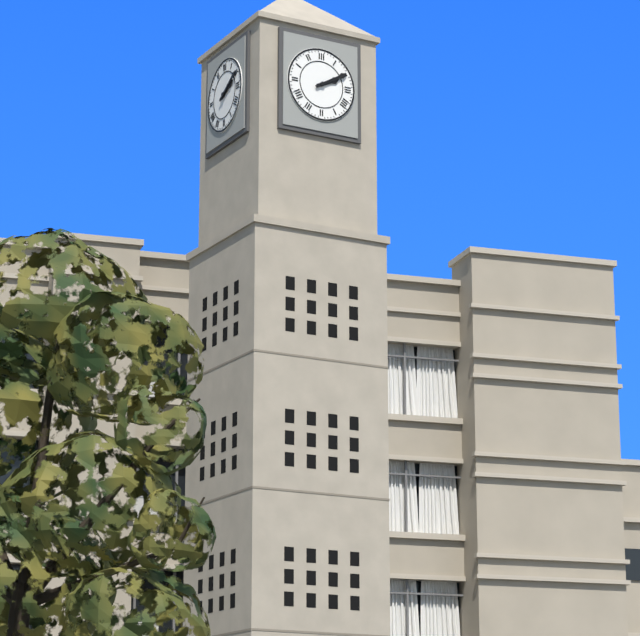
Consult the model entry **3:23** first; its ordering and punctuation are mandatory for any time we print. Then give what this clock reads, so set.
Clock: **2:10**
